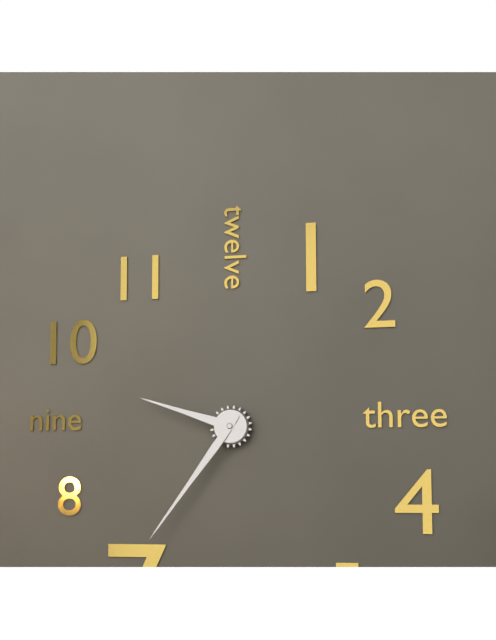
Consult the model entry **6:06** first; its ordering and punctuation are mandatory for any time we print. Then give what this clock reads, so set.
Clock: **9:36**
